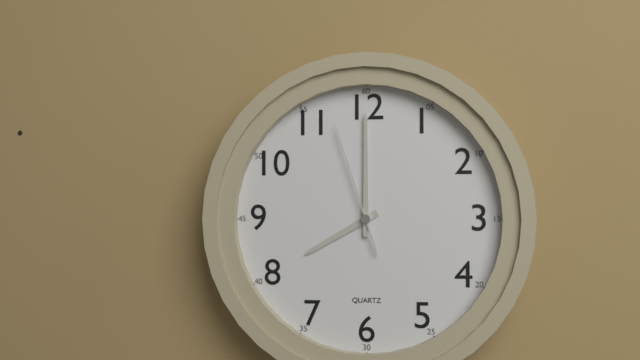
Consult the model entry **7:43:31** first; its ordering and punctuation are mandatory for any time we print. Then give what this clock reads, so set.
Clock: **8:00:57**
